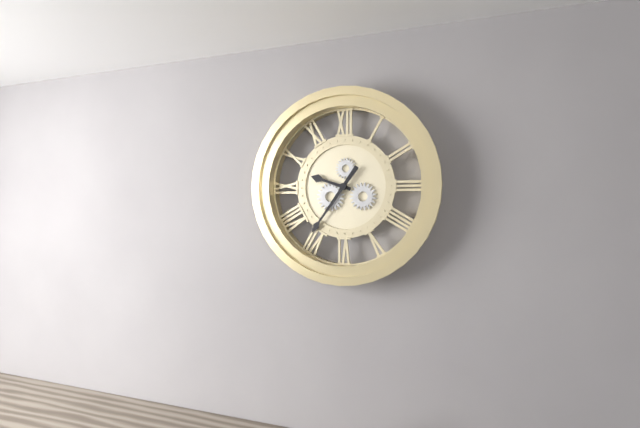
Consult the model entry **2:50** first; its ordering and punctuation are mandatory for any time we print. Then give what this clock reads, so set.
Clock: **9:36**
